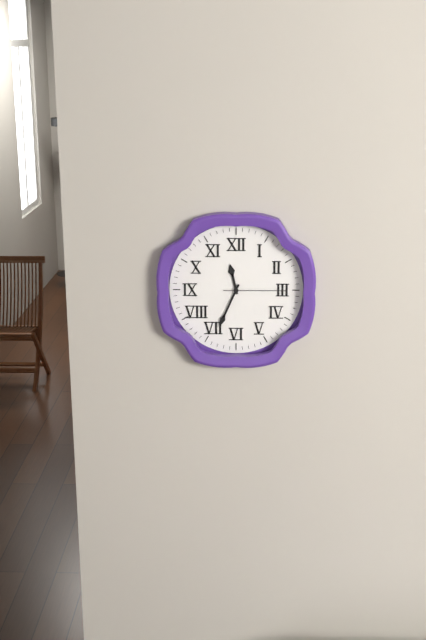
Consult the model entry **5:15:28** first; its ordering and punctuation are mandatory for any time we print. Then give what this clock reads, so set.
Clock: **11:34:15**
